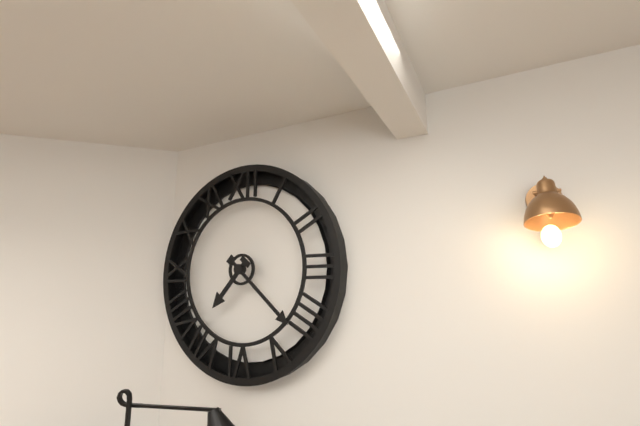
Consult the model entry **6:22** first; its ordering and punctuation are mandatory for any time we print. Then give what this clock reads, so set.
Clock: **7:22**
